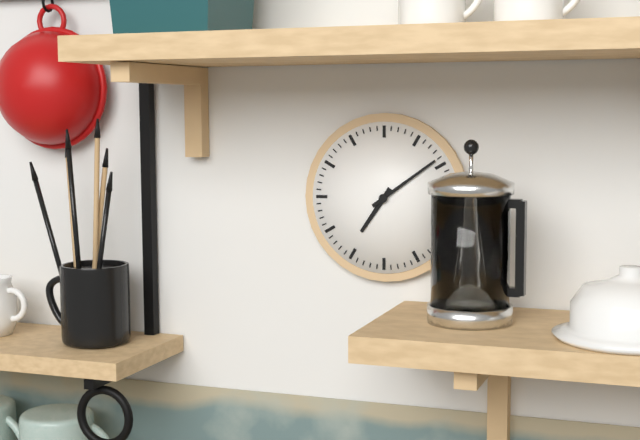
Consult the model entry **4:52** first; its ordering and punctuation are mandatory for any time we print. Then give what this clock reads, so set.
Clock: **7:09**
